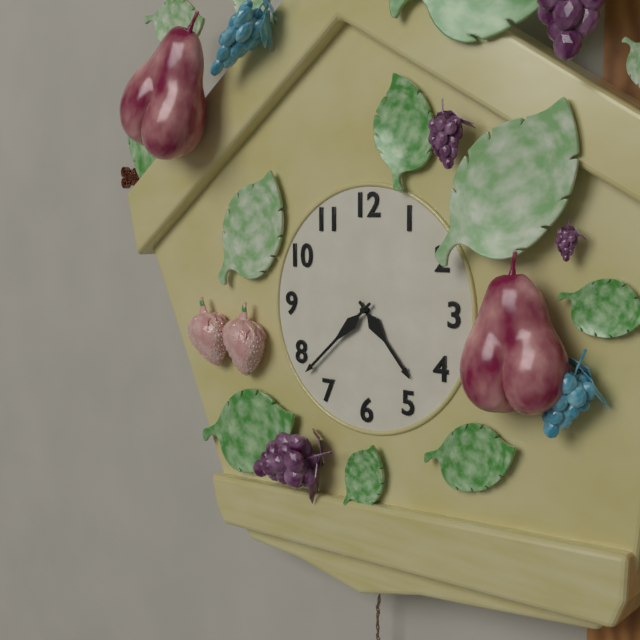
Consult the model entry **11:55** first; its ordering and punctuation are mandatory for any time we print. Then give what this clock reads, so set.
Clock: **4:38**
